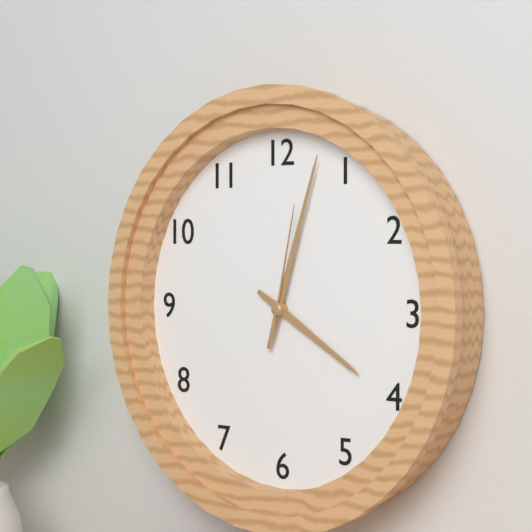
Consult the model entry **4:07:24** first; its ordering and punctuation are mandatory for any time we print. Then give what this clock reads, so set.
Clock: **4:03:02**
